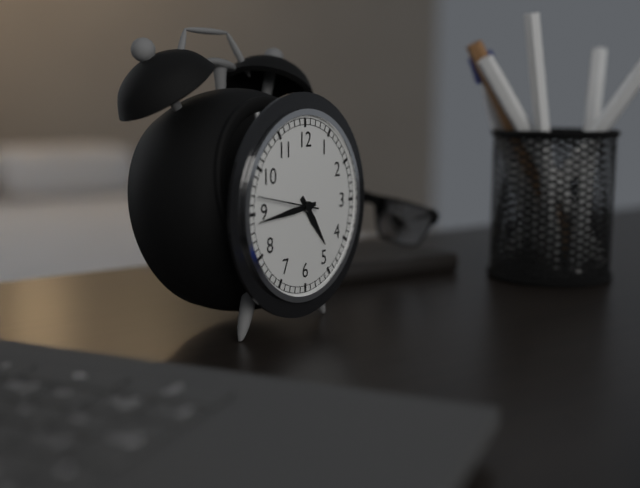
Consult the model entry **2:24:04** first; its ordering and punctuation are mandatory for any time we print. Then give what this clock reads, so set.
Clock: **4:44:47**
